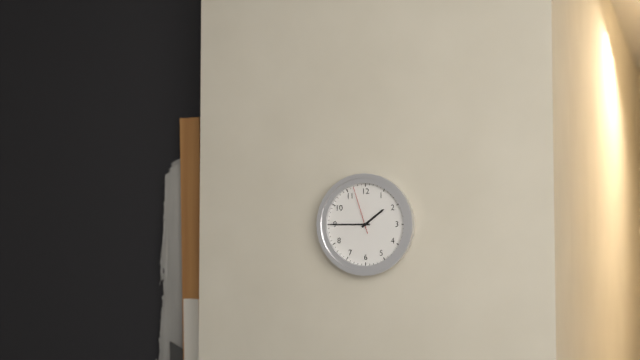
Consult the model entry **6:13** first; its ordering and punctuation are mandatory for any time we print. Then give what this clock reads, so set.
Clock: **1:45**
